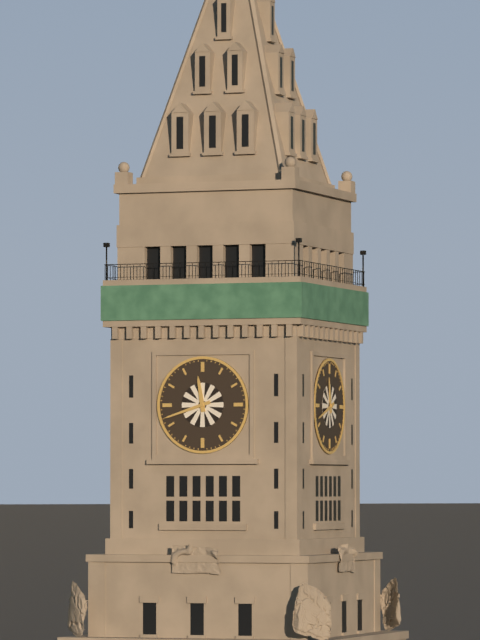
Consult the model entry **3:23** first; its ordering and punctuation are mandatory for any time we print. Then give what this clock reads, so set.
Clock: **11:42**
